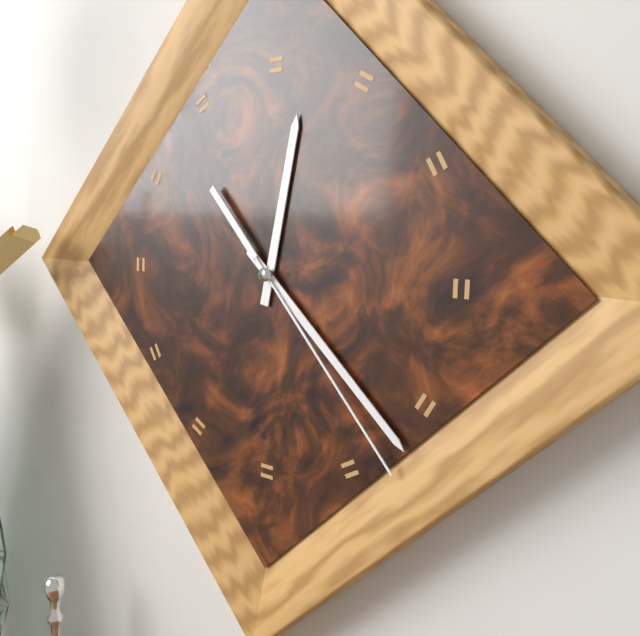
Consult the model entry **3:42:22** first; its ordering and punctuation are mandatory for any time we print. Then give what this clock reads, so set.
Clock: **12:22:23**
